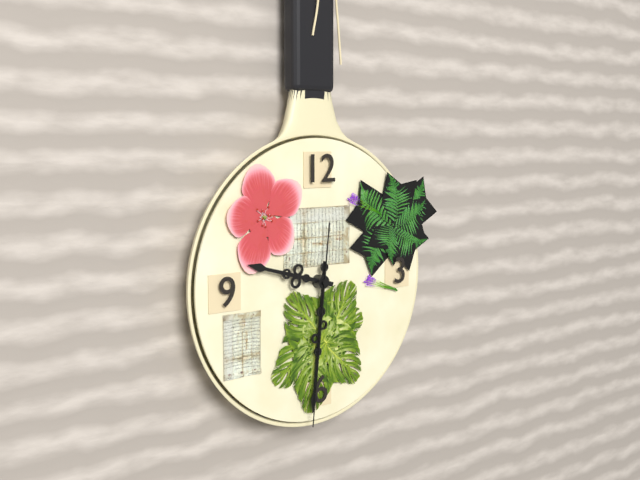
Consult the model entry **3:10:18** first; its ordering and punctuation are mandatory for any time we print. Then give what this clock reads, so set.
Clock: **9:31:31**
